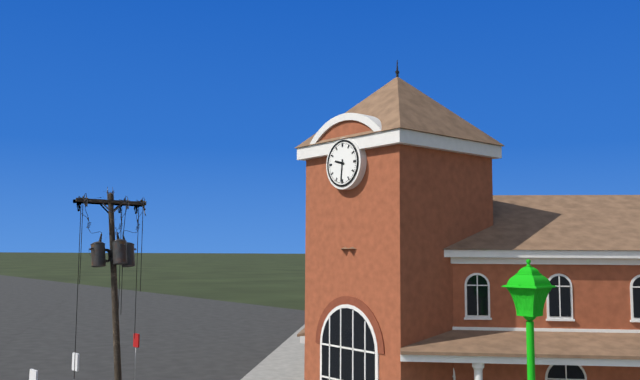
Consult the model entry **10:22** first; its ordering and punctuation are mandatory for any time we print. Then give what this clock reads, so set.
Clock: **9:31**
